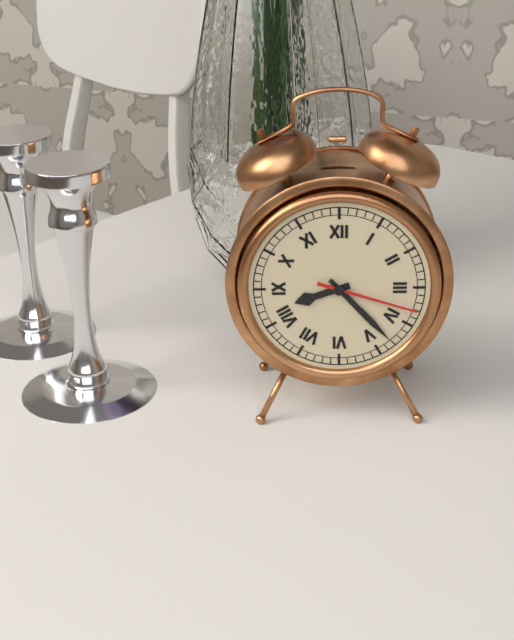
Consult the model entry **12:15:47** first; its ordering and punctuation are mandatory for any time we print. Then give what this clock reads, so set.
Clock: **8:23:18**
